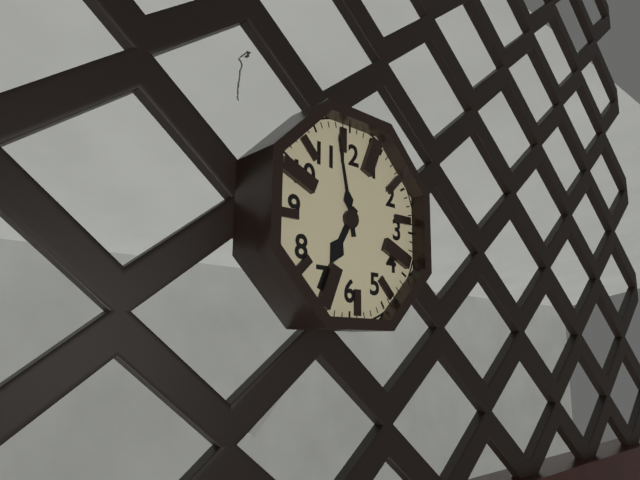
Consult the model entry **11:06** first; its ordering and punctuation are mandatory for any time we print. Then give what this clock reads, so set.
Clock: **6:58**
